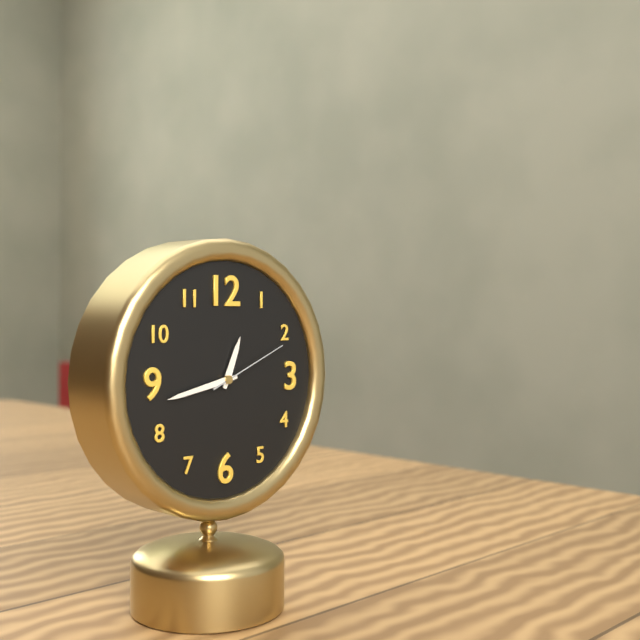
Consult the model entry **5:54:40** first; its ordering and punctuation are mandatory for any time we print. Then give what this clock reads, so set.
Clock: **12:43:11**
